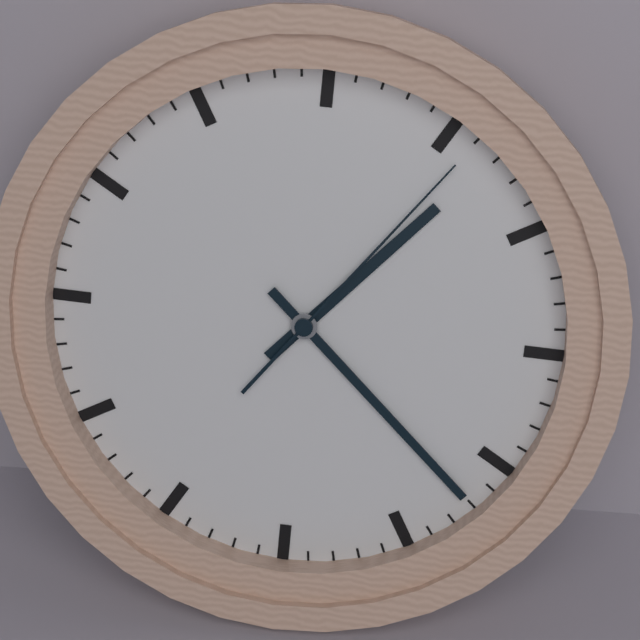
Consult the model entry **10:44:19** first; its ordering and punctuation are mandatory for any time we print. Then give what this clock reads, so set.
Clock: **1:22:06**
